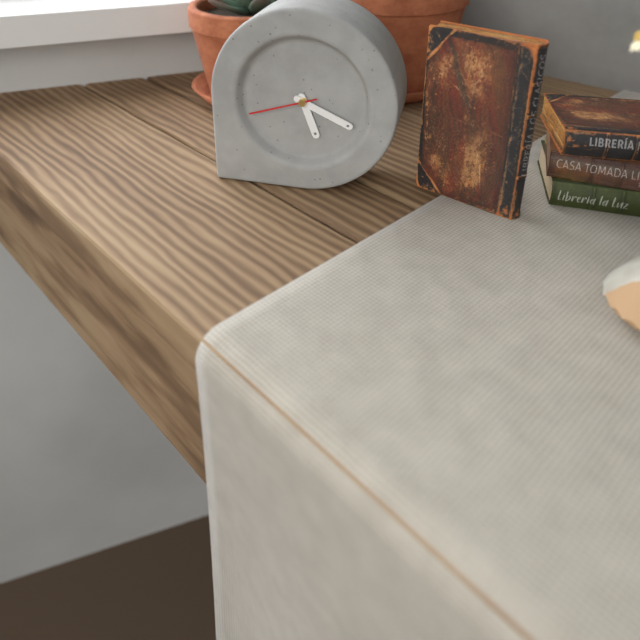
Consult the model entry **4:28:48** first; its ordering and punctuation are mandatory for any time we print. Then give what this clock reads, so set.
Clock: **5:19:42**
